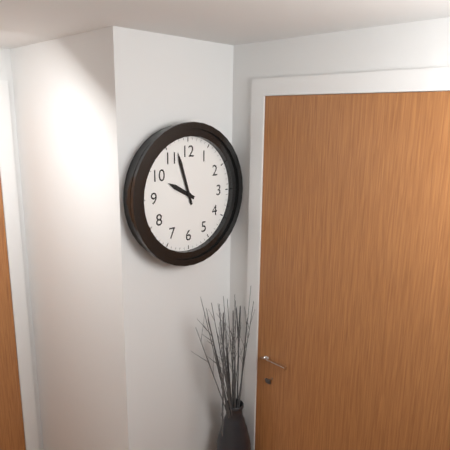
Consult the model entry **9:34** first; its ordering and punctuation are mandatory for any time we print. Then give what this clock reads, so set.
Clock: **9:57**
